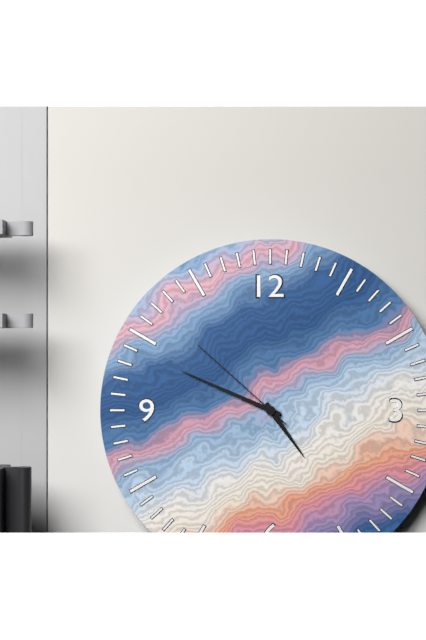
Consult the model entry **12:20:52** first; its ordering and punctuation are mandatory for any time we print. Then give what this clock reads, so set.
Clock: **4:49:52**
